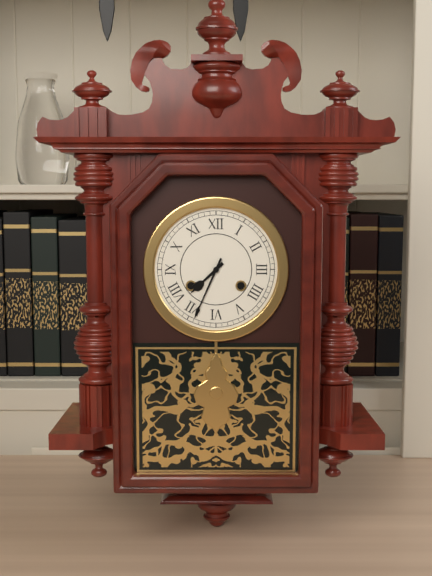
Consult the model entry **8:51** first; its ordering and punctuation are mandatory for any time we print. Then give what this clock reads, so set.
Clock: **7:34**
